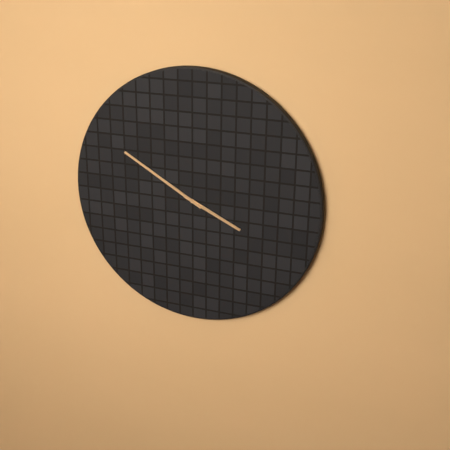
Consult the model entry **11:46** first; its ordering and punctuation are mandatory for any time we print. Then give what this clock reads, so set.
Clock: **3:50**
